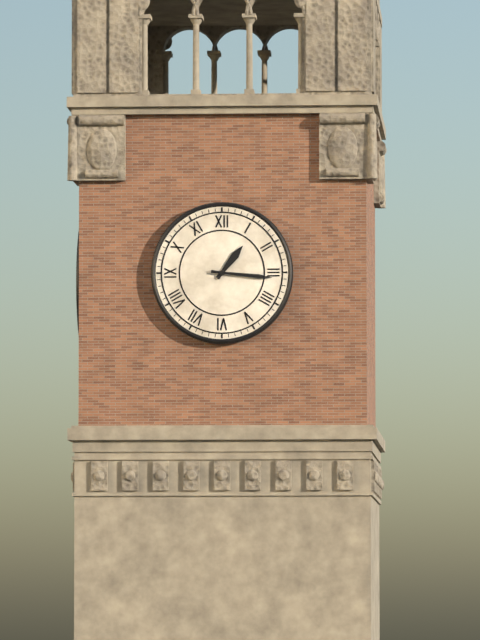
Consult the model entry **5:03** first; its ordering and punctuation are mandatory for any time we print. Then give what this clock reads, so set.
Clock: **1:16**
